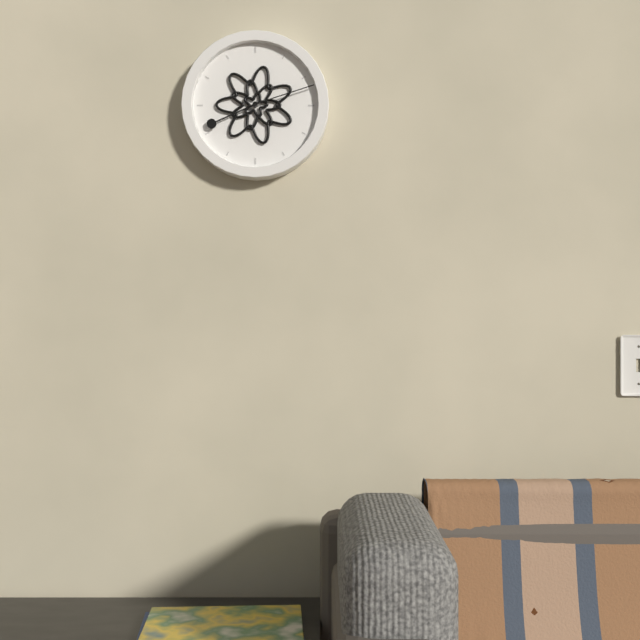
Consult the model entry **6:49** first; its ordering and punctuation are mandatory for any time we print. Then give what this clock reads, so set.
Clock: **8:12**
